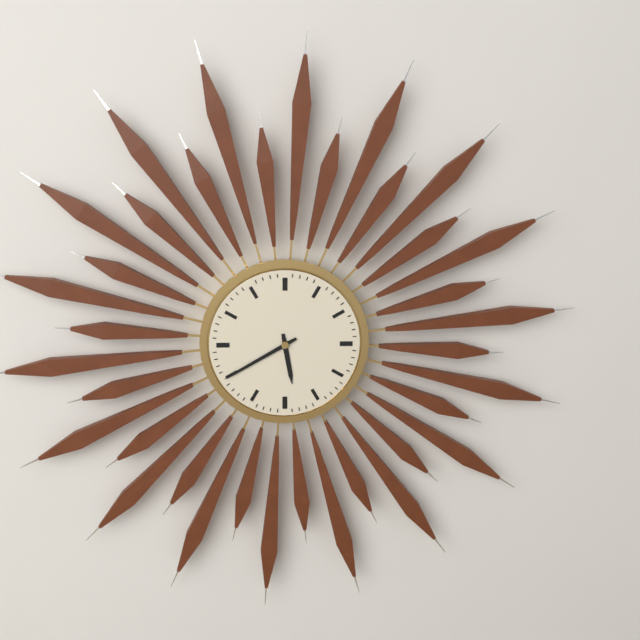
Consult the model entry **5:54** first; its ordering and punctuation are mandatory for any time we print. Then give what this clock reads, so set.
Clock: **5:40**
